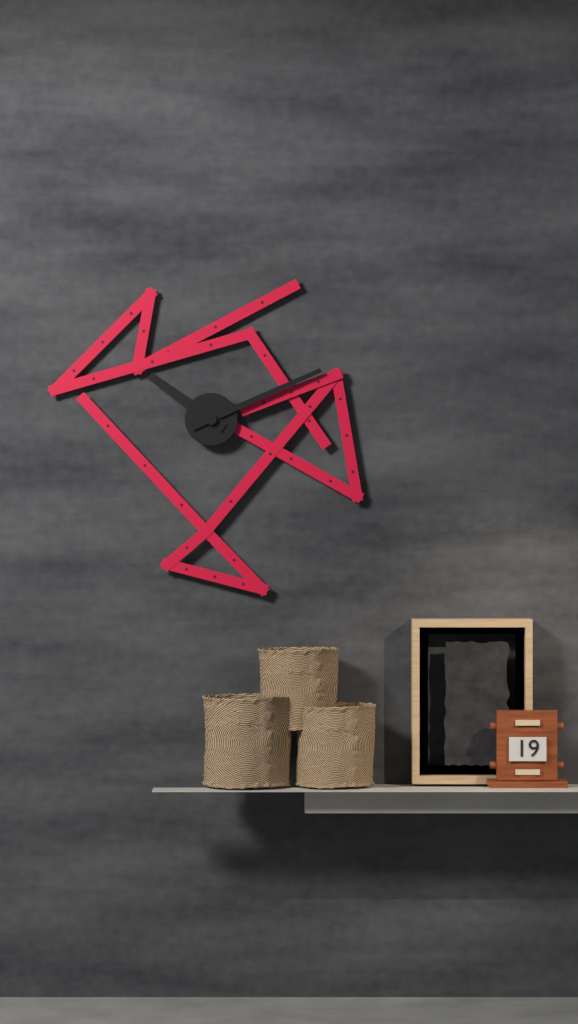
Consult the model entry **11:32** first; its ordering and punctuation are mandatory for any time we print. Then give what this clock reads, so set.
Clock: **10:11**
